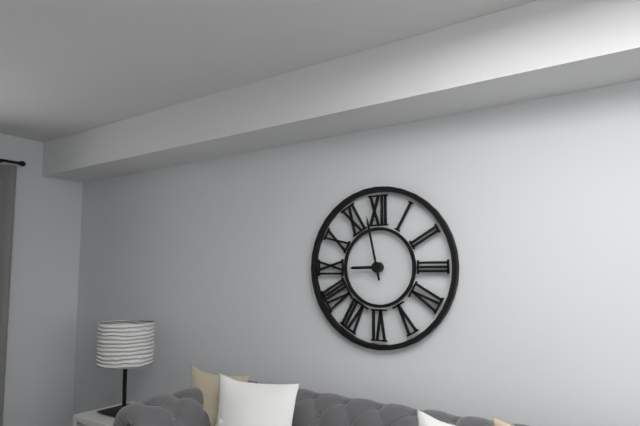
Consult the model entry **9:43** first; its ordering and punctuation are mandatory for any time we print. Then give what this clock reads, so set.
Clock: **8:58**
